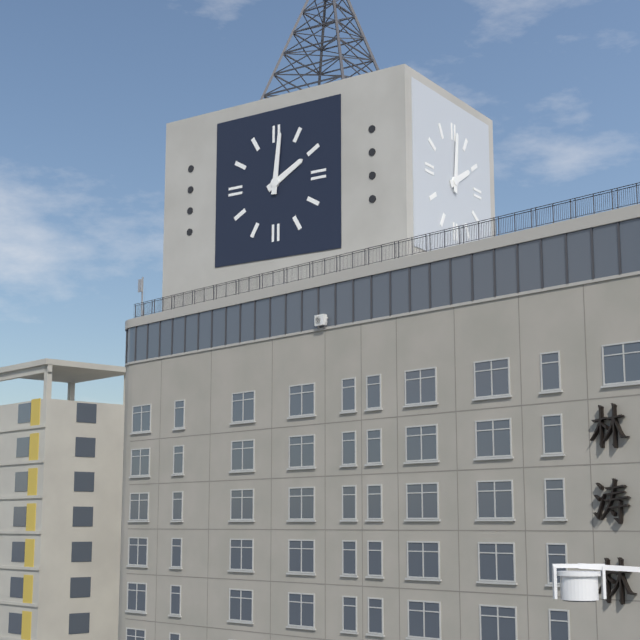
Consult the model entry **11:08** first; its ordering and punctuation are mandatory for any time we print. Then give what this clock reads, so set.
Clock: **2:01**
